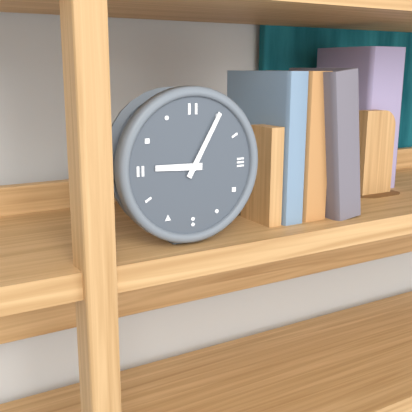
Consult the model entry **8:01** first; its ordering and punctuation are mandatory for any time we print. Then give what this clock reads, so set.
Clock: **9:05**
